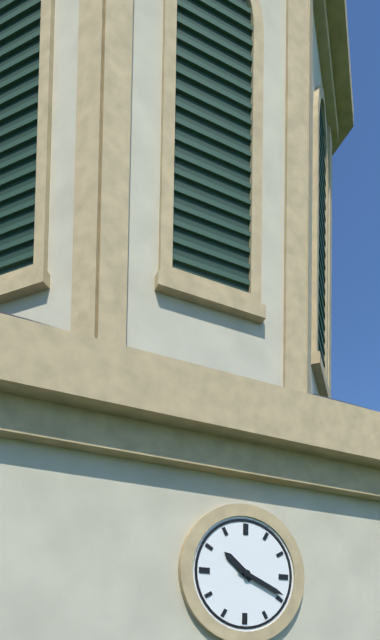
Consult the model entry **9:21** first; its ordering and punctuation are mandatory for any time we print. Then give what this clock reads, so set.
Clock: **10:19**
